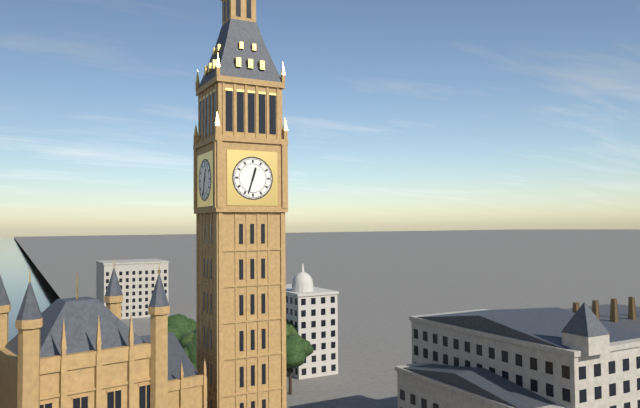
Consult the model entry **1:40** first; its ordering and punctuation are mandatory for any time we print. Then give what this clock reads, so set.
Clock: **12:33**
